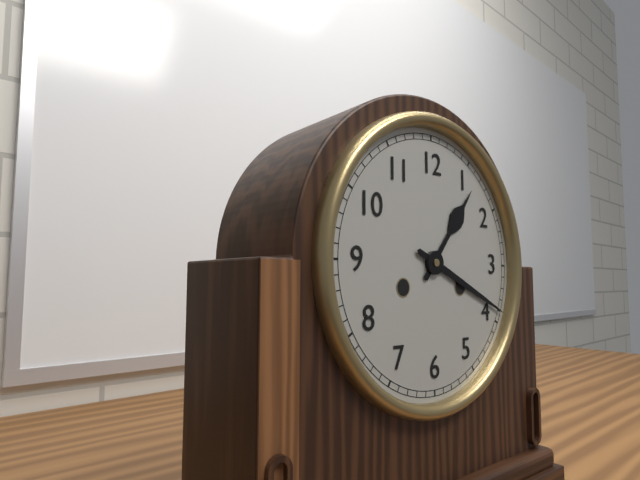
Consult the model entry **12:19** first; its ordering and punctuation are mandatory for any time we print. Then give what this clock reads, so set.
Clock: **1:19**
